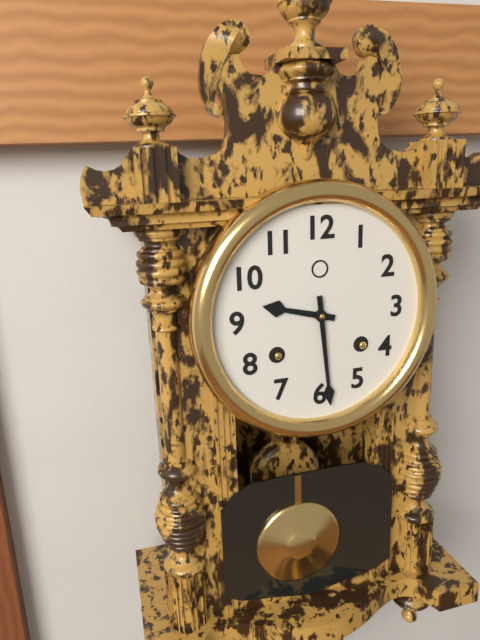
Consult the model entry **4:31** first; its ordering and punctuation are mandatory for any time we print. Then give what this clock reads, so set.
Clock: **9:29**
